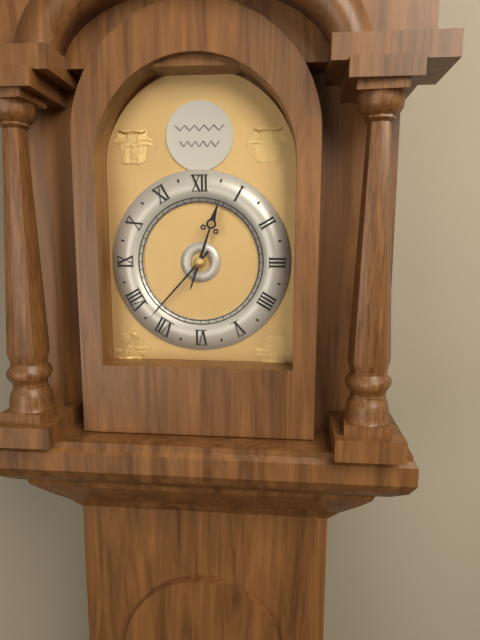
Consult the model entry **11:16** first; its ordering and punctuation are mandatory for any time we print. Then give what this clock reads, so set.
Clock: **12:37**
